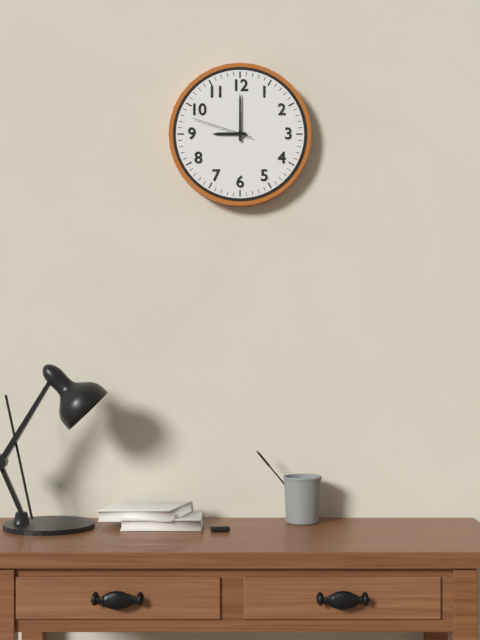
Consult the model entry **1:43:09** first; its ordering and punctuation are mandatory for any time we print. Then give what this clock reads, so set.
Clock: **9:00:48**
